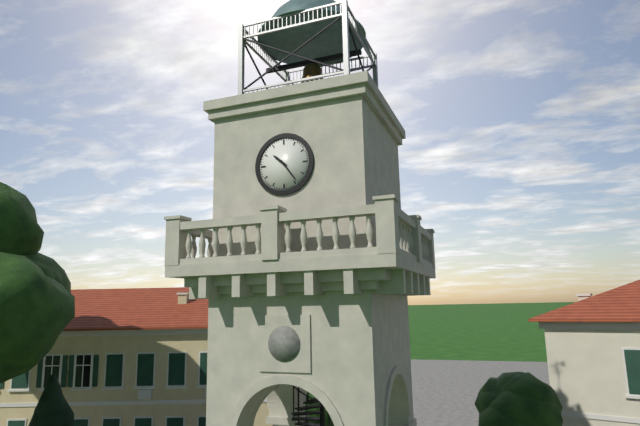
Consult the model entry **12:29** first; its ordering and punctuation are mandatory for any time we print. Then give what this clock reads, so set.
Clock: **10:24**
